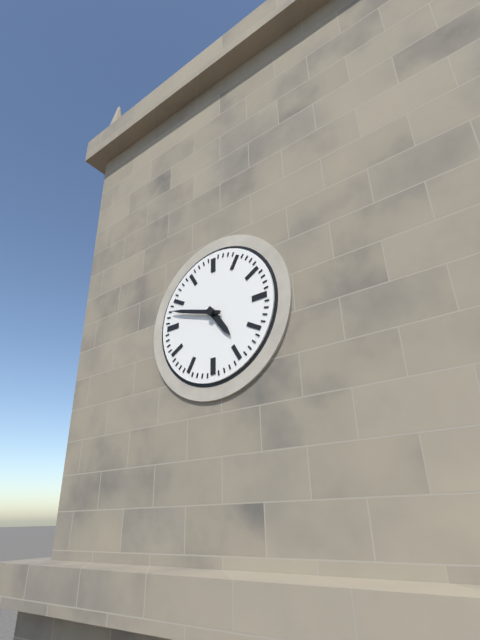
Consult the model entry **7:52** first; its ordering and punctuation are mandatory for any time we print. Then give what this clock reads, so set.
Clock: **4:48**
